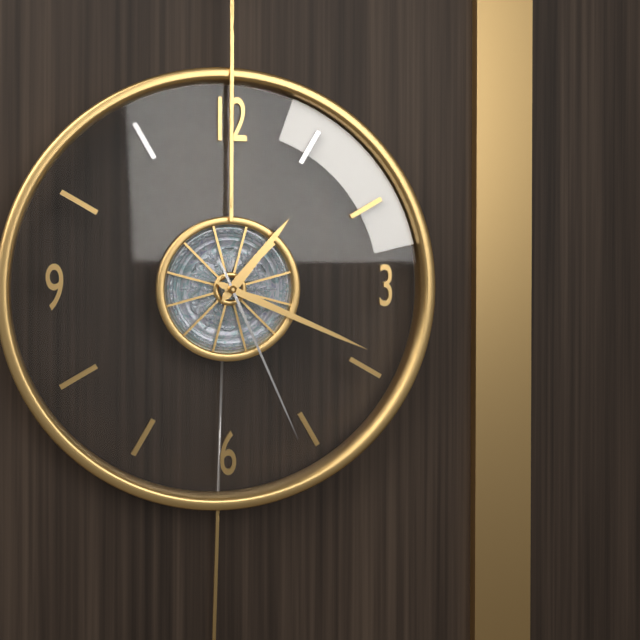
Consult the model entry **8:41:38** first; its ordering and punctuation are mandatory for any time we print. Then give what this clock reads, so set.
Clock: **1:19:26**
